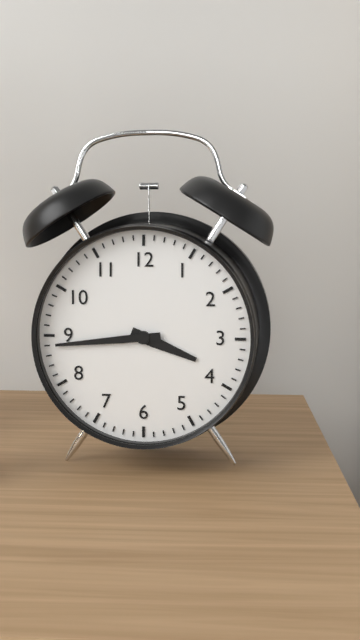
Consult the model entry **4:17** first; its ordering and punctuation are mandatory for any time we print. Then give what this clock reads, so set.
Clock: **3:44**
